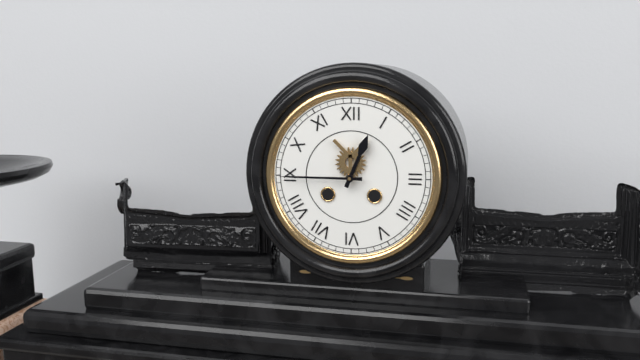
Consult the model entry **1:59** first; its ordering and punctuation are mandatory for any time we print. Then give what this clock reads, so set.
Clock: **12:45**
